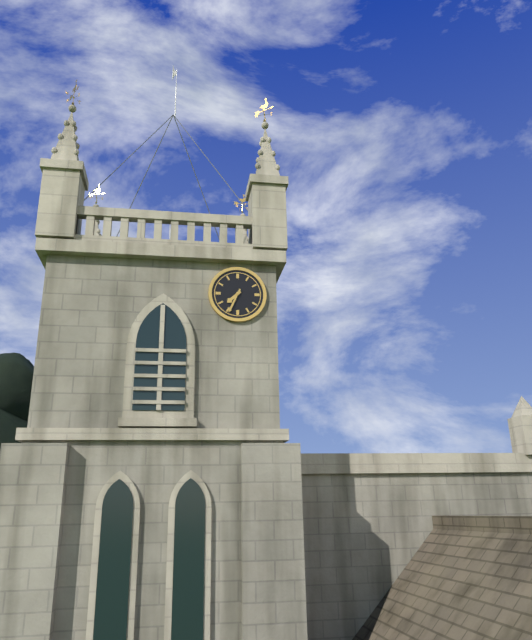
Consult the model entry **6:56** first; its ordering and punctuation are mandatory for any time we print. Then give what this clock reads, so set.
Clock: **7:34**
